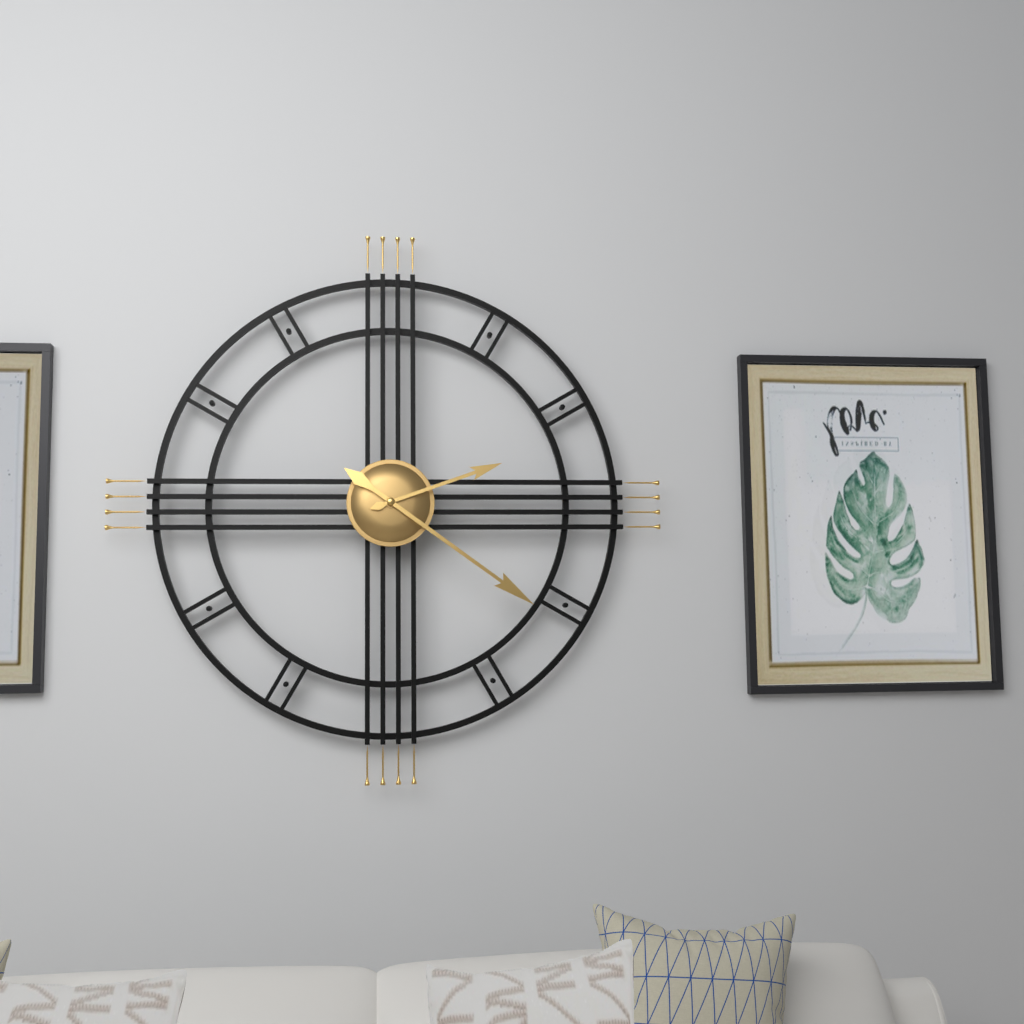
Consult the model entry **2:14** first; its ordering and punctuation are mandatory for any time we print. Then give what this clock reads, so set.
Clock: **2:21**
